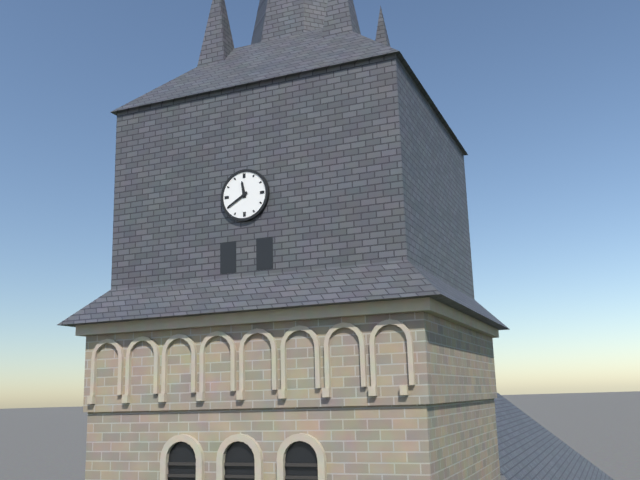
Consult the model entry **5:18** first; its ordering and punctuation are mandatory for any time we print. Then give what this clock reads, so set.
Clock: **11:40**
